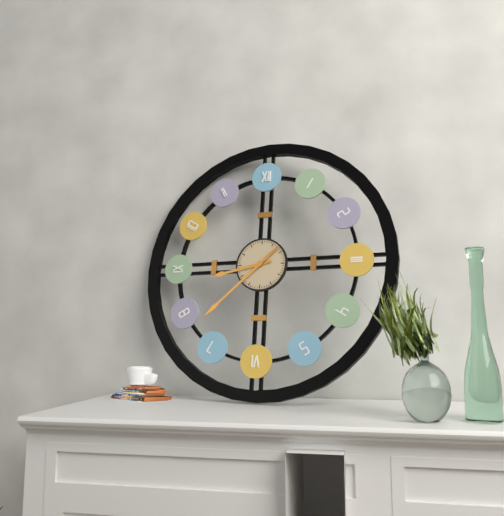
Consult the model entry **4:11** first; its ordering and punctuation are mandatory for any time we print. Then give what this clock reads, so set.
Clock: **8:38**
